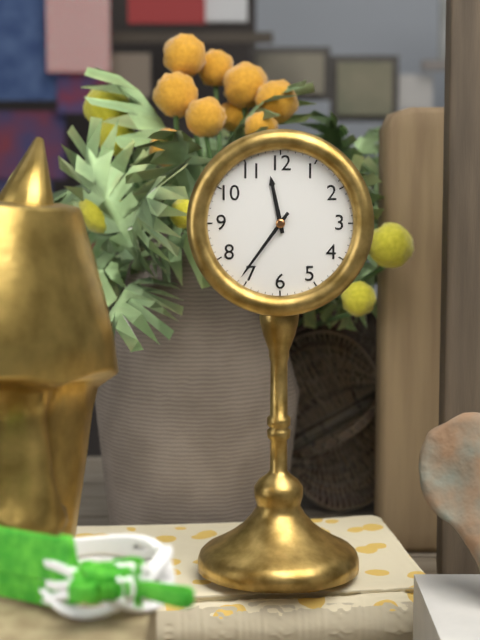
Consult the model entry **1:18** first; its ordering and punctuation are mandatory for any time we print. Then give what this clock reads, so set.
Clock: **11:36**
